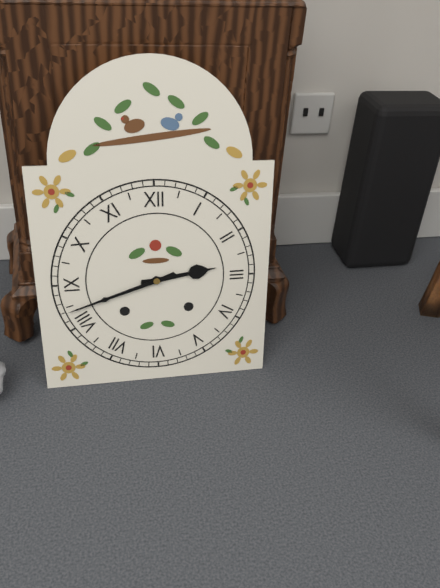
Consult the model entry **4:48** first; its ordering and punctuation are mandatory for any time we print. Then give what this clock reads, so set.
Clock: **2:42**
